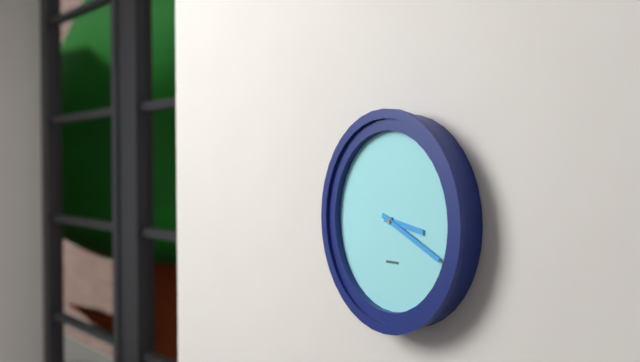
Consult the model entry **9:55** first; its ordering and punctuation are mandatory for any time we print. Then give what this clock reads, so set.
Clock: **3:19**
